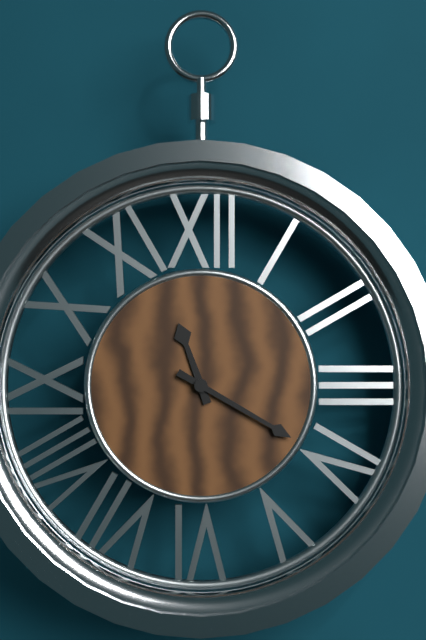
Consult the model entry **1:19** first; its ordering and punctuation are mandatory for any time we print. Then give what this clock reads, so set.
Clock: **11:20**
